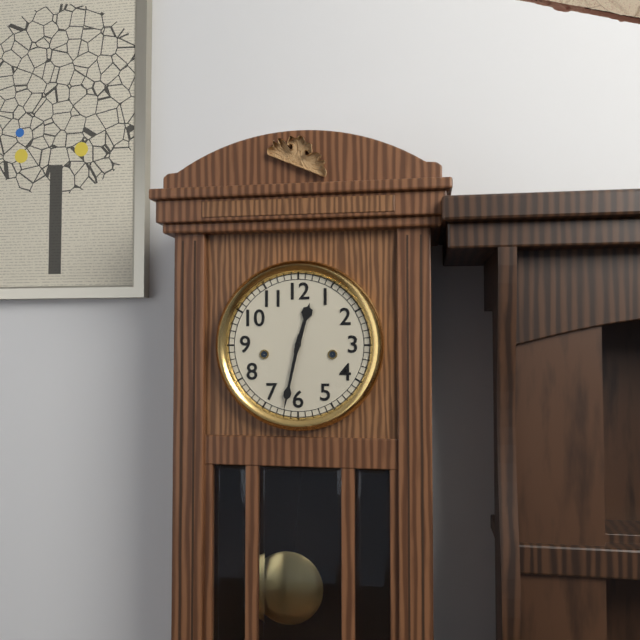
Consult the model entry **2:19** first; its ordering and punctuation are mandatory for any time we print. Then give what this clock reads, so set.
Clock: **12:32**
